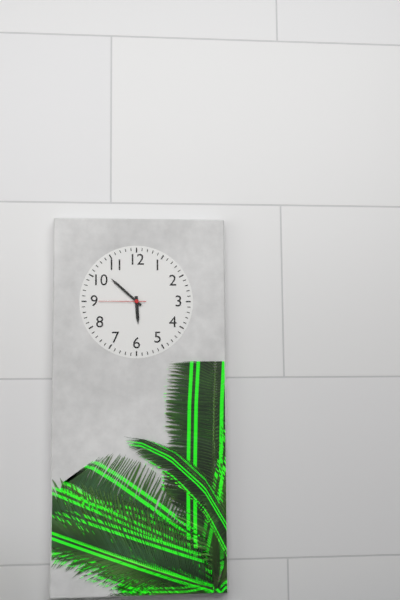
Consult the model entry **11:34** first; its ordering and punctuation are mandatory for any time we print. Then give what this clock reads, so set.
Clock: **5:52**
